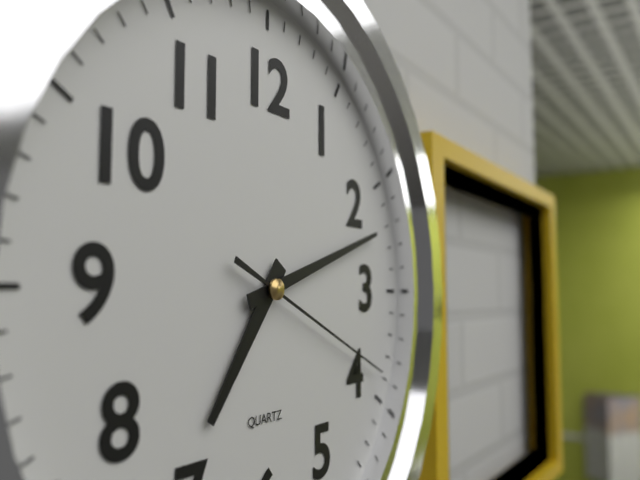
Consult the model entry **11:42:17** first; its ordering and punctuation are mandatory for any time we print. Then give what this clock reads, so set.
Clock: **7:12:19**
